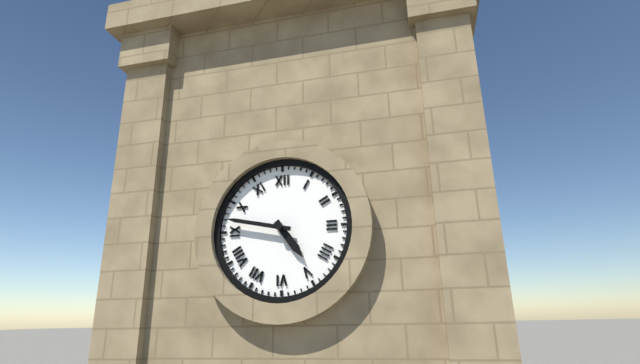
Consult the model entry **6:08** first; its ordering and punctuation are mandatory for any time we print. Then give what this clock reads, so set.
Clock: **4:47**
